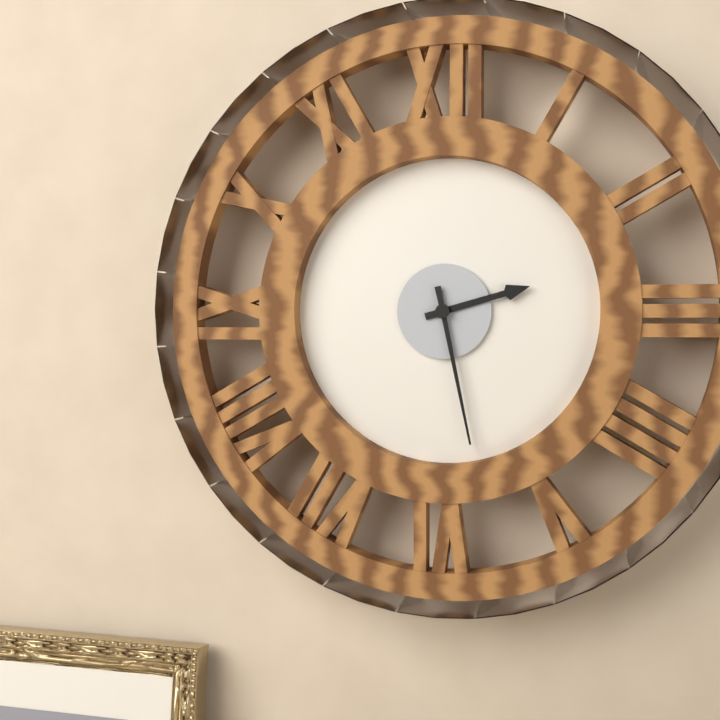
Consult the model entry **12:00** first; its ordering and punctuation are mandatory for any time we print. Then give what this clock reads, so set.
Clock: **2:28**
